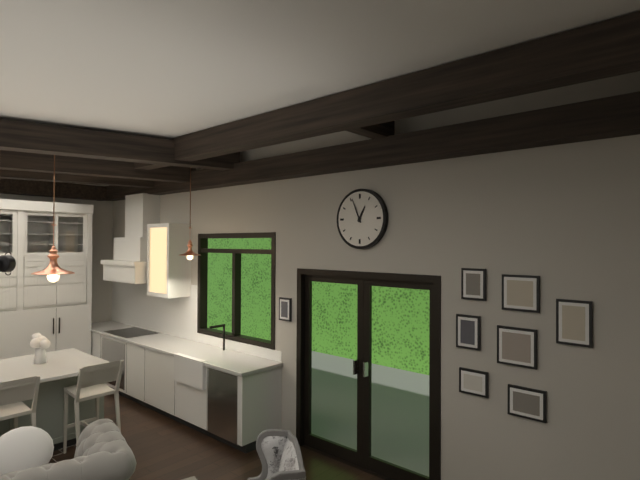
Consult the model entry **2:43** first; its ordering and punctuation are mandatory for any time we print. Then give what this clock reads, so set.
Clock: **12:56**
